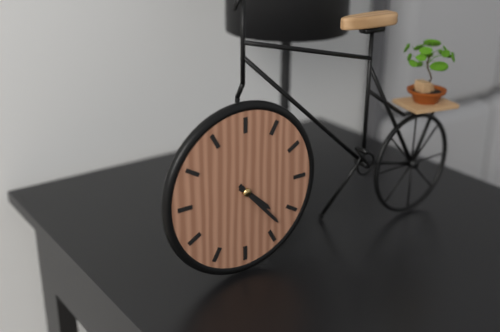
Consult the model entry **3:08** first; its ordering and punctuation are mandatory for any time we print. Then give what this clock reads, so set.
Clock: **4:23**
